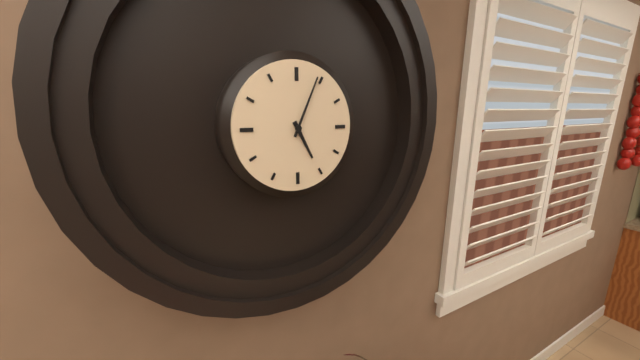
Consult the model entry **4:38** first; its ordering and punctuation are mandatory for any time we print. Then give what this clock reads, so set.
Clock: **5:04**
